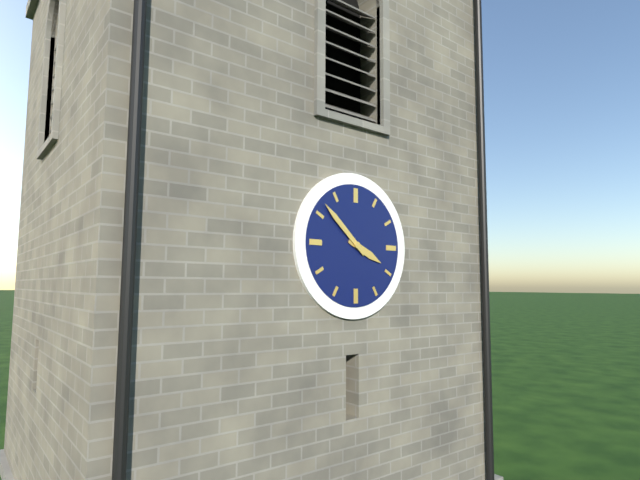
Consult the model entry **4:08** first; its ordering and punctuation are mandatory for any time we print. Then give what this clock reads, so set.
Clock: **3:52**
